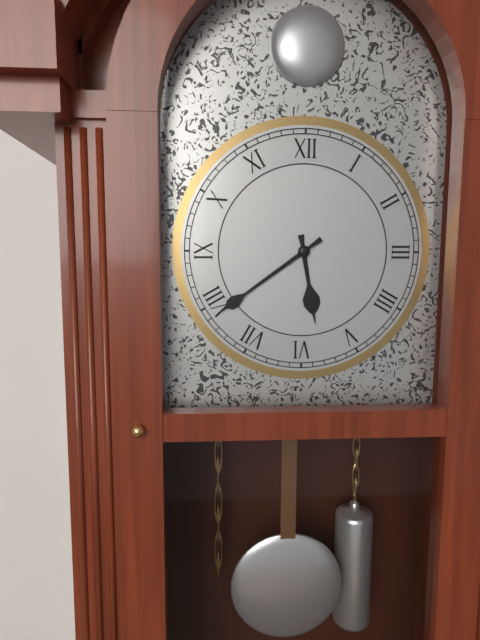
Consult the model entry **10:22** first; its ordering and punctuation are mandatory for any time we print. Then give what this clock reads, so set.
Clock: **5:39**
